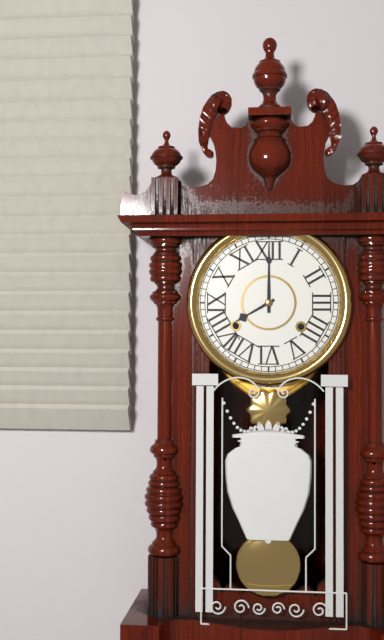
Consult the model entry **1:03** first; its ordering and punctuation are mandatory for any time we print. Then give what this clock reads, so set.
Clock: **8:00**
